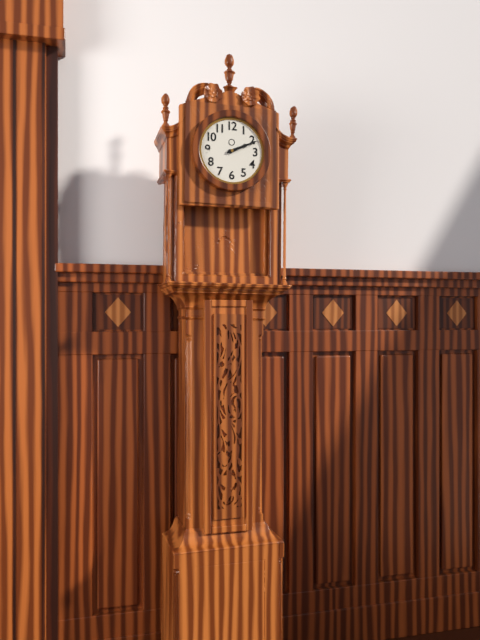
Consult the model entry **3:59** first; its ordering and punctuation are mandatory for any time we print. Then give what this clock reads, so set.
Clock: **2:11**
